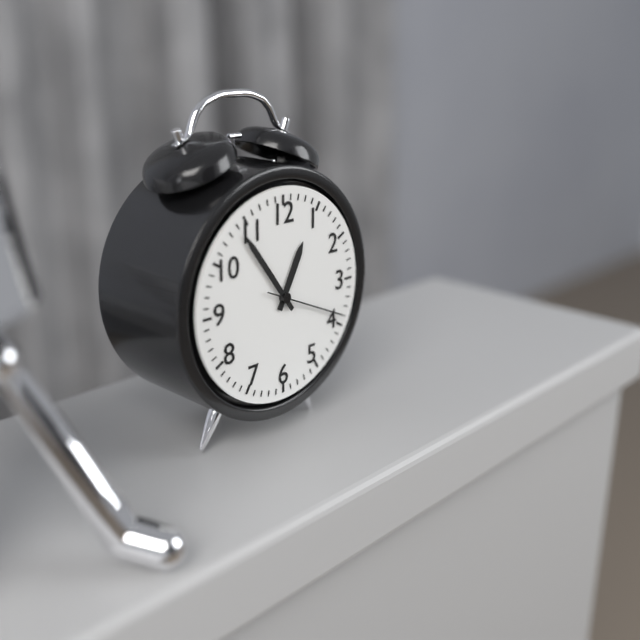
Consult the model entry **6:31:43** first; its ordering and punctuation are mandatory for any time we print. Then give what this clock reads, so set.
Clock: **12:54:19**
